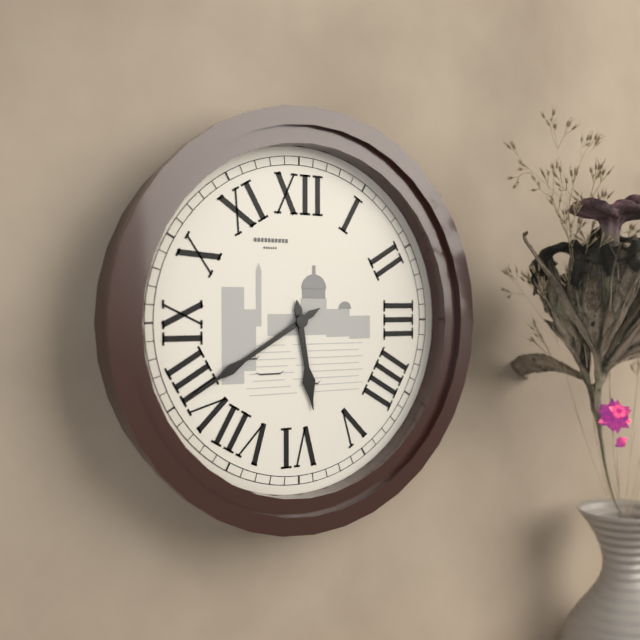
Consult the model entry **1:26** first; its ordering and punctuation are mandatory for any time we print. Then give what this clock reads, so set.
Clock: **5:40**
